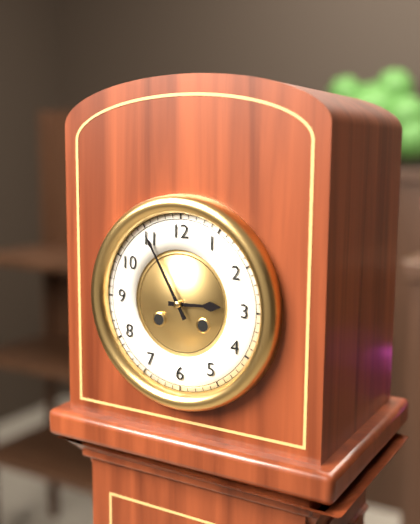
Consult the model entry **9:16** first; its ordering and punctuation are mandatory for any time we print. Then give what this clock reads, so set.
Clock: **2:55**
